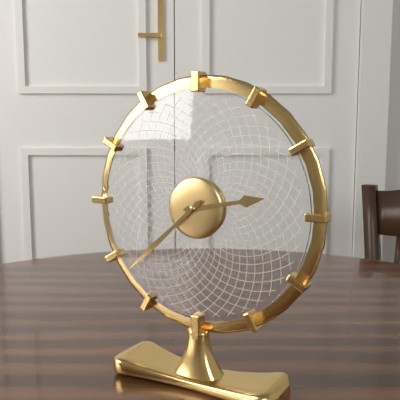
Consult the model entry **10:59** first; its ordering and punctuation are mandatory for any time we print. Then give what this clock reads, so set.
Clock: **2:38**
